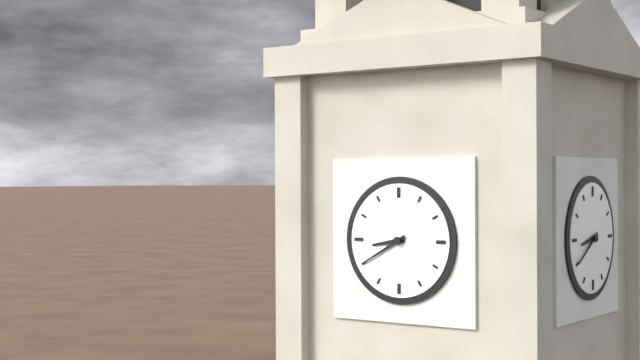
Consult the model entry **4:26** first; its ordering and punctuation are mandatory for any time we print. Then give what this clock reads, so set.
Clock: **8:40**
